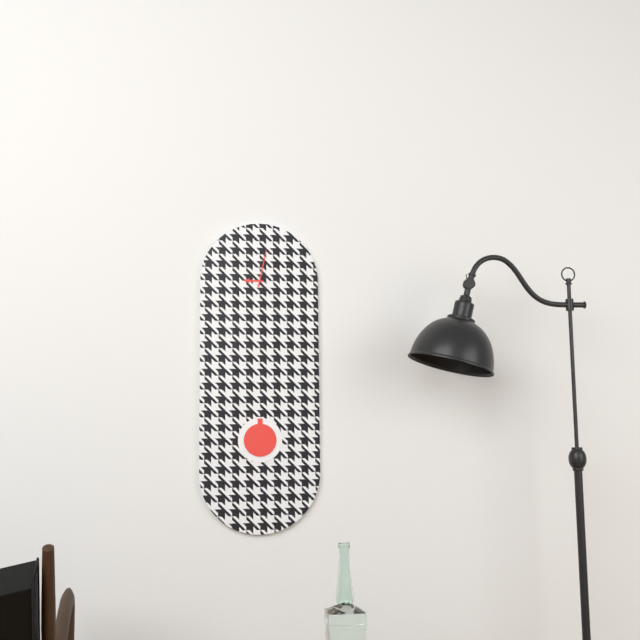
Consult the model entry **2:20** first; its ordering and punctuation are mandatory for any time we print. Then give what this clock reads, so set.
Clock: **9:02**
